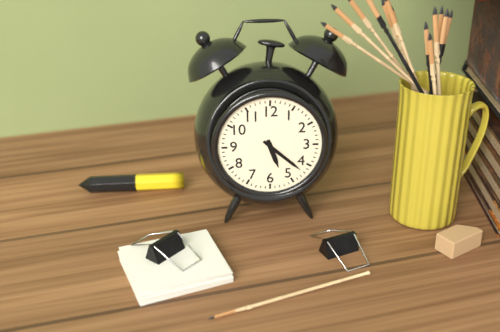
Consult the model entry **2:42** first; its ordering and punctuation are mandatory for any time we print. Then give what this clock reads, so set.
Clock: **5:22**
